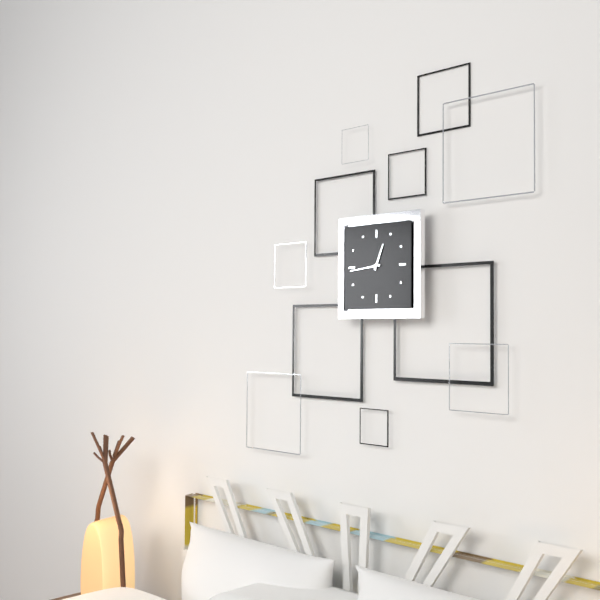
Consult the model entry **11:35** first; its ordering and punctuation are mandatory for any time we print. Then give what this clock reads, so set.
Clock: **12:44**
